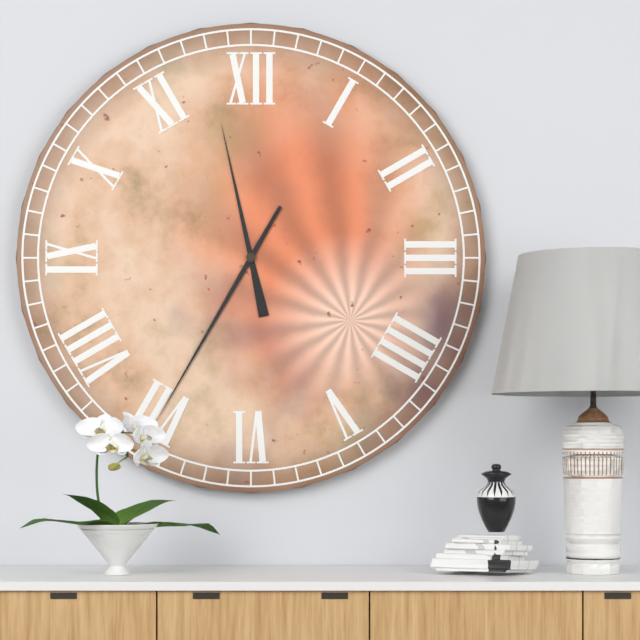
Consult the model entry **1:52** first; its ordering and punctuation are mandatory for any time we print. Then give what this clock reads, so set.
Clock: **11:35**
